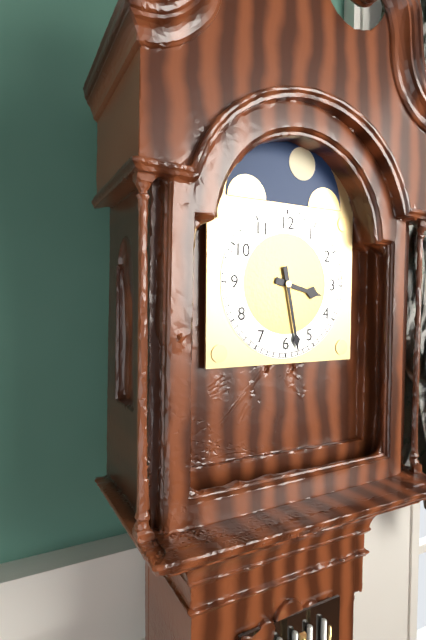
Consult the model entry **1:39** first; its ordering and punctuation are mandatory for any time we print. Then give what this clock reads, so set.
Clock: **3:28**
